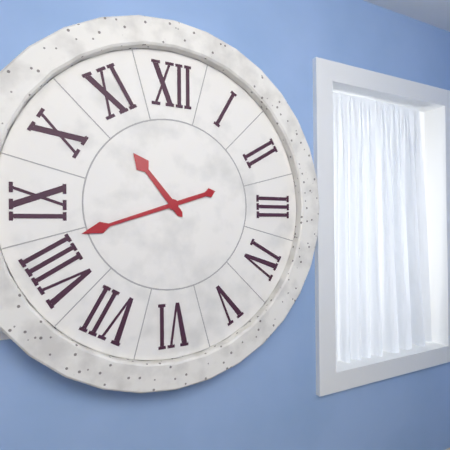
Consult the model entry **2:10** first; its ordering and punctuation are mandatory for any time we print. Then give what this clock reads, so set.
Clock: **10:42**
